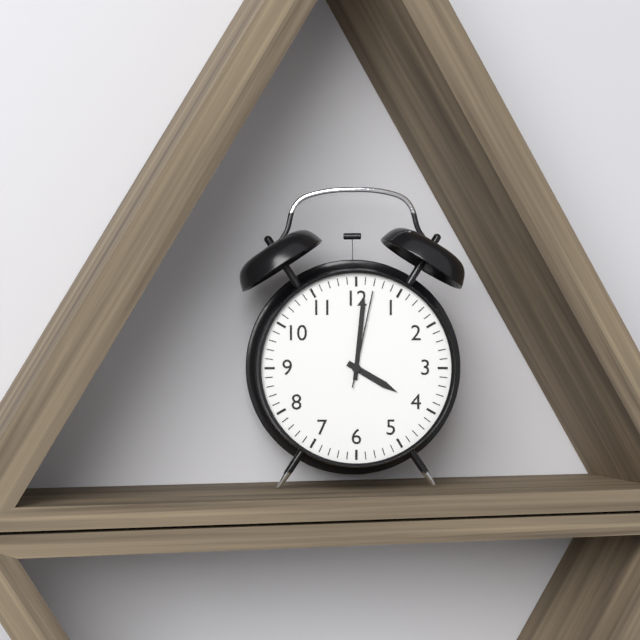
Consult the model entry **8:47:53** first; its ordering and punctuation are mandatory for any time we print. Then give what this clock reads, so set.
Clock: **4:01:02**
